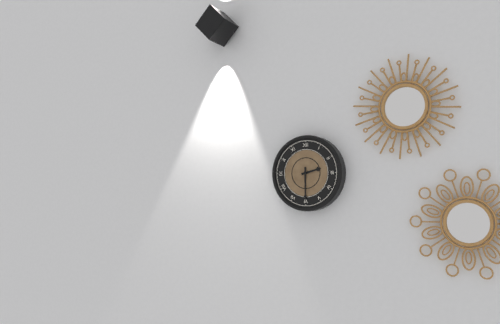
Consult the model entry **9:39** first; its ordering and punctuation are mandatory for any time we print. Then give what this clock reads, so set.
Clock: **2:30**
